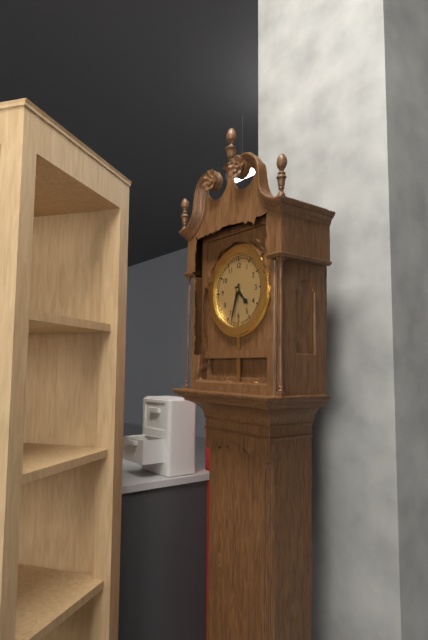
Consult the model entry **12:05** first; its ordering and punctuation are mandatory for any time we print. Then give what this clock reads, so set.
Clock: **4:33**
